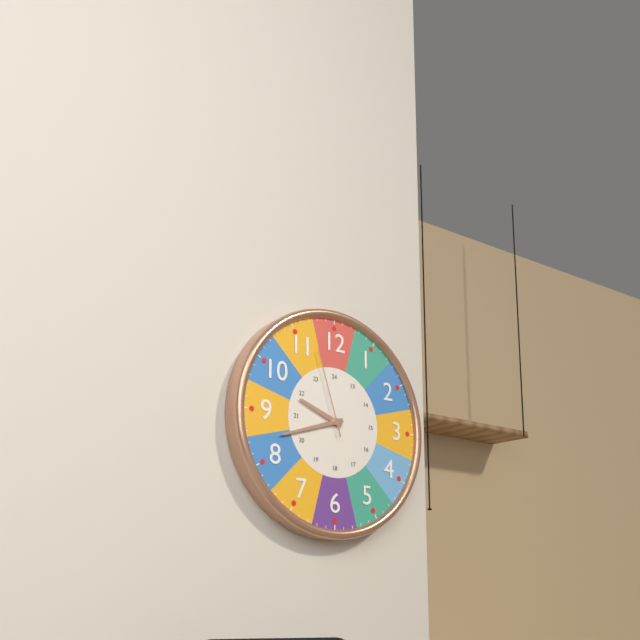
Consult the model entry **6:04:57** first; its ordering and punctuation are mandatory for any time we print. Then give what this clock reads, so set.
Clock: **9:42:57**
